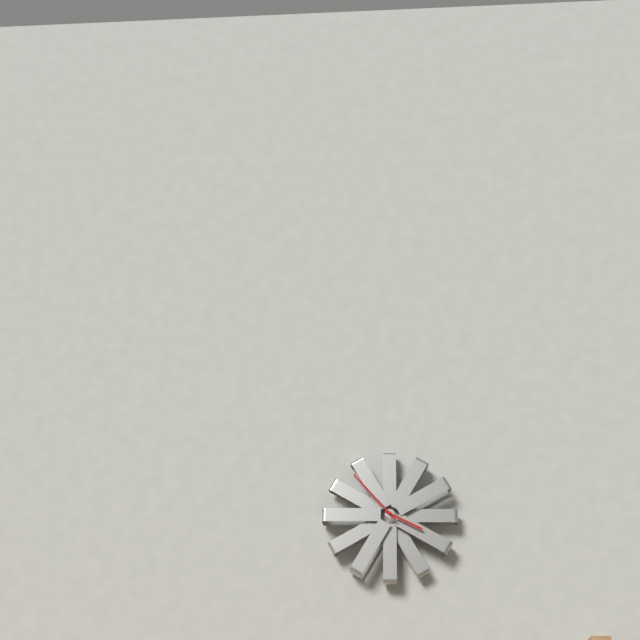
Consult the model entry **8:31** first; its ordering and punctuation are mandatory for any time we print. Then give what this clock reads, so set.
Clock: **3:53**
